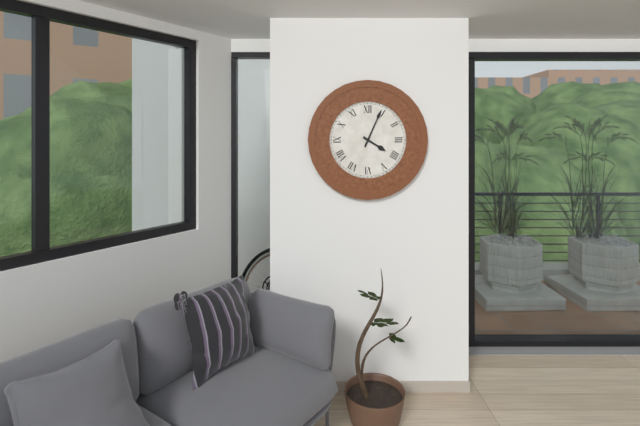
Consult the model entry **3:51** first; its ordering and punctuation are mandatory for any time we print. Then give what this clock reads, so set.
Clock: **4:04**
